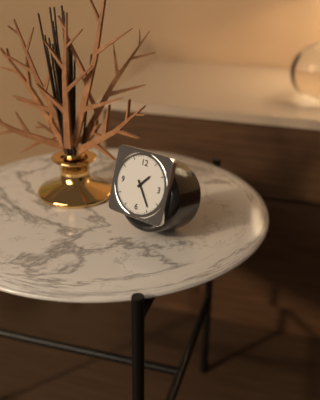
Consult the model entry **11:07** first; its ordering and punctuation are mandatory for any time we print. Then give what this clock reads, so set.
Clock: **1:24**
